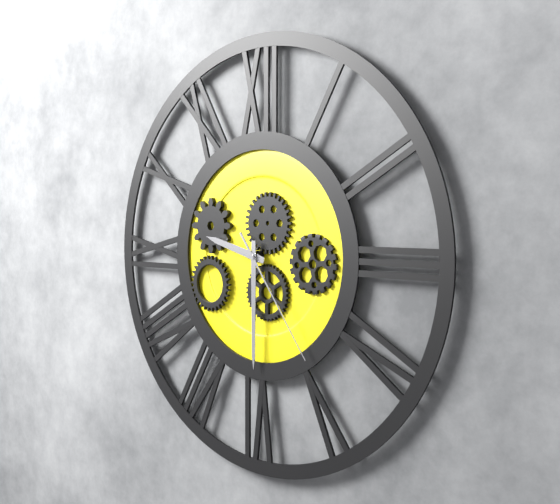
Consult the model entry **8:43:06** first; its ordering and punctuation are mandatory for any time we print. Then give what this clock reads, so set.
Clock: **9:30:24**
